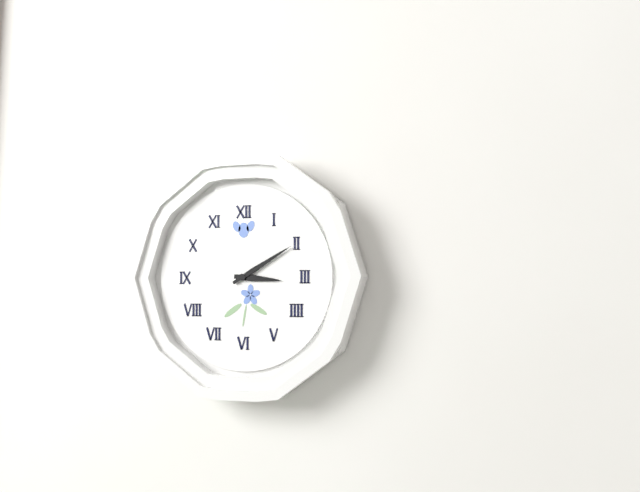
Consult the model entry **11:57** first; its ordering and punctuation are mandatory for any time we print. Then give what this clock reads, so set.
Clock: **3:10**
